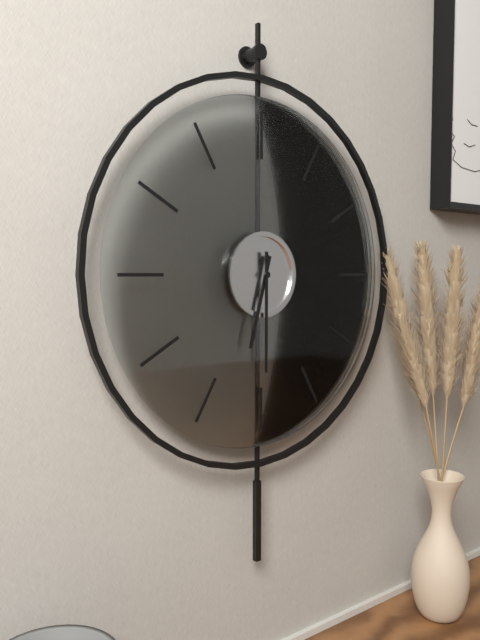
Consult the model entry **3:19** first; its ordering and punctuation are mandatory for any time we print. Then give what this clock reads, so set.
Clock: **6:30**
